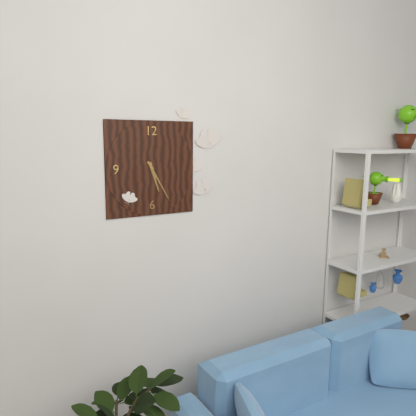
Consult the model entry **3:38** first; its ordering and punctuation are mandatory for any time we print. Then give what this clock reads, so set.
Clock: **5:25**
